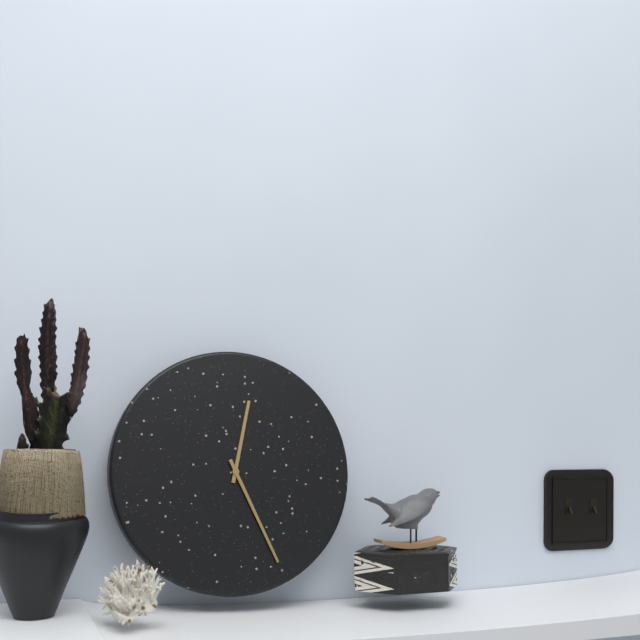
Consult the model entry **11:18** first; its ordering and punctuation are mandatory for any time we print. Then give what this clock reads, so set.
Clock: **12:26**
